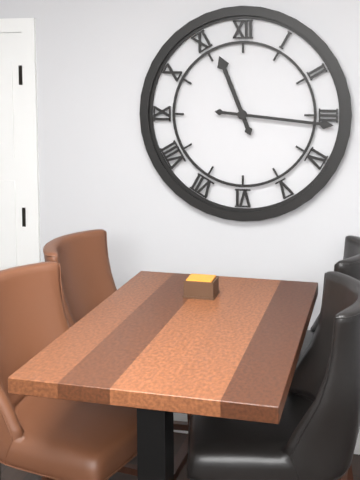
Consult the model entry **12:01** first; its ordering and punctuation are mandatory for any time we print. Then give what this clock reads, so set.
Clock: **11:16**
